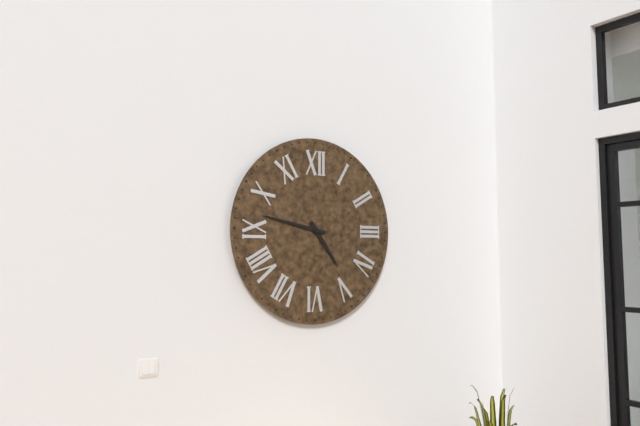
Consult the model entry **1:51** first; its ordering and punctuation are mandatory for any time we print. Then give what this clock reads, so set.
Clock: **4:47**
